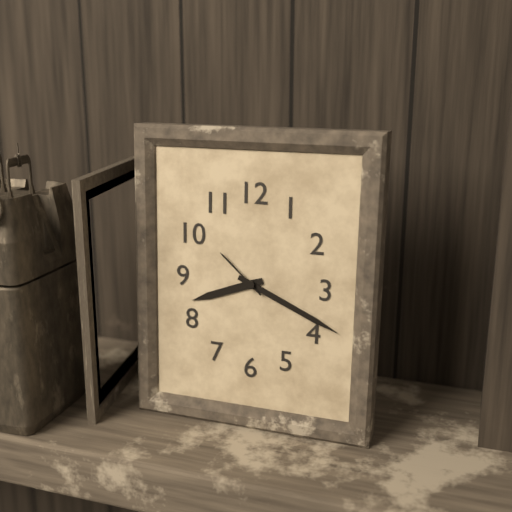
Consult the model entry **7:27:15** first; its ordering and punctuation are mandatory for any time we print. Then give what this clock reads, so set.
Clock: **8:19:52**
